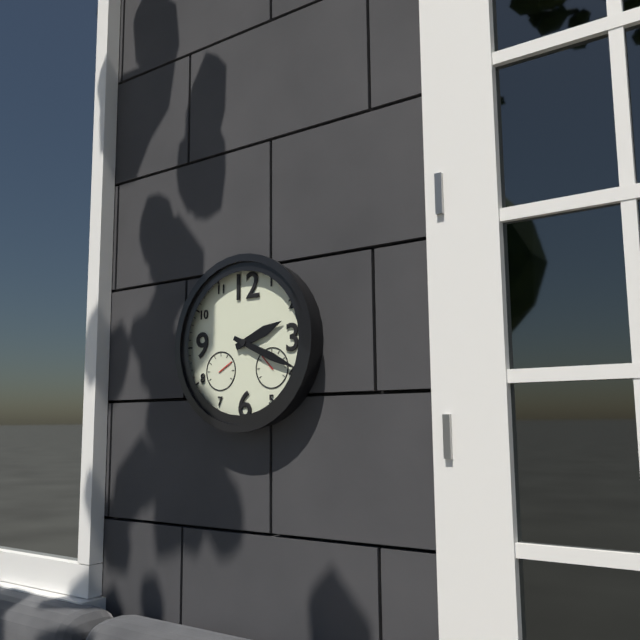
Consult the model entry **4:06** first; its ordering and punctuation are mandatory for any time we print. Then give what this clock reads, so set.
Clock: **2:19**
